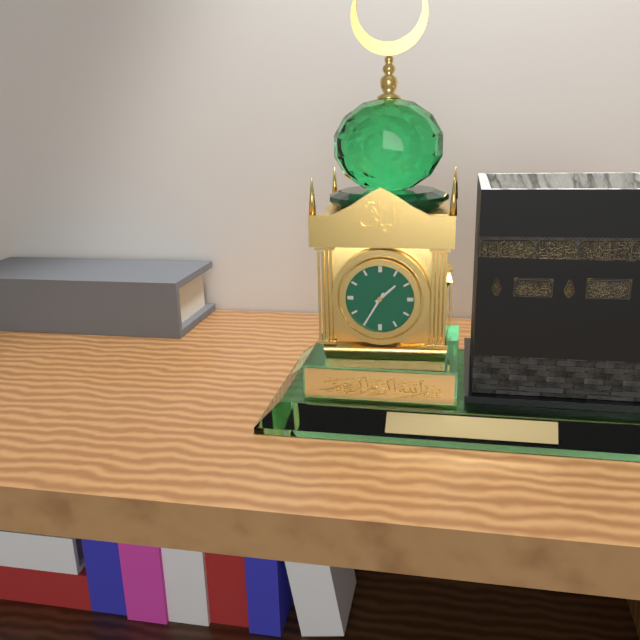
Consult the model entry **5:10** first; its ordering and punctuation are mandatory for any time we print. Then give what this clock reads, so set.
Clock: **1:35**
